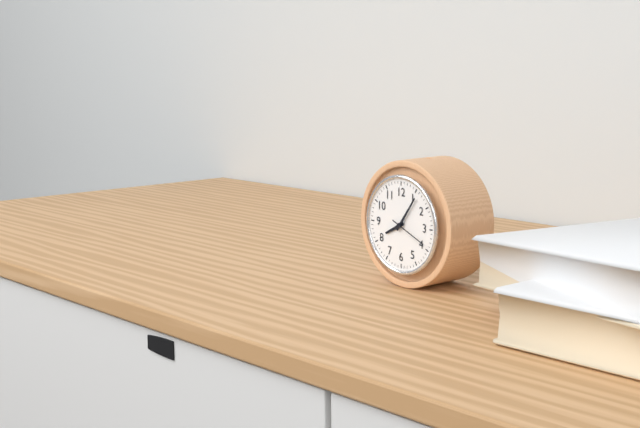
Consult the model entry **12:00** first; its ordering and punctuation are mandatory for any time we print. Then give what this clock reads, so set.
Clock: **8:06**
